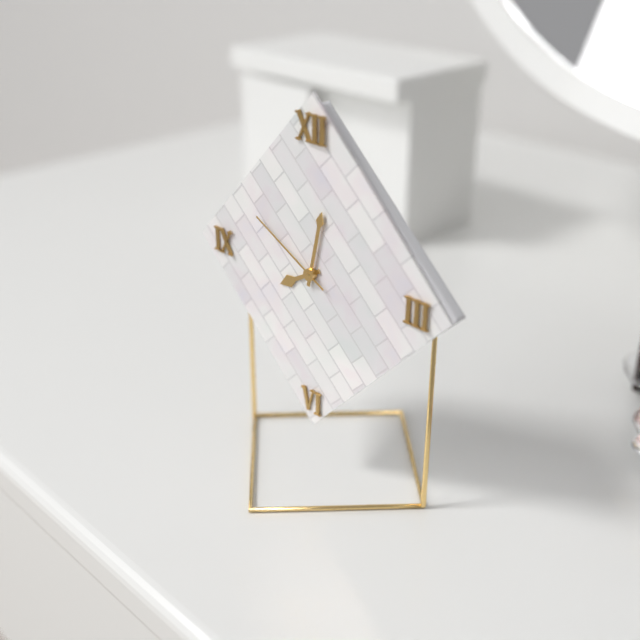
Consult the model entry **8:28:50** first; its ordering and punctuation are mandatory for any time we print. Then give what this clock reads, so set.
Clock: **8:02:50**
